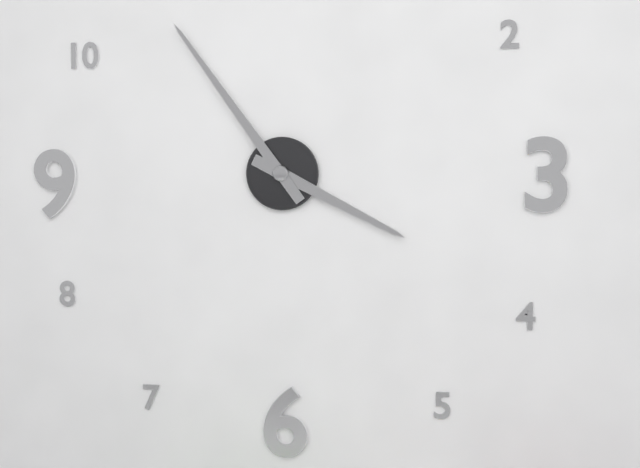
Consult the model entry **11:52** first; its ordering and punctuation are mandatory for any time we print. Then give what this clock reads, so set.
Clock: **3:54**
